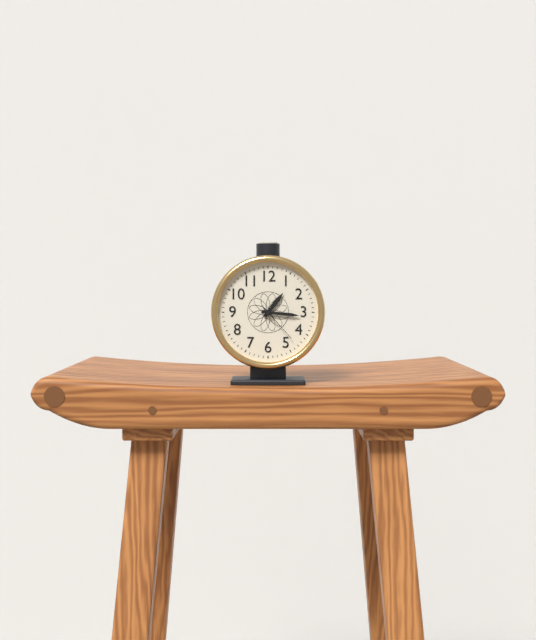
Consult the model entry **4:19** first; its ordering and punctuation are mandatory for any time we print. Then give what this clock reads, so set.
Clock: **1:16**
